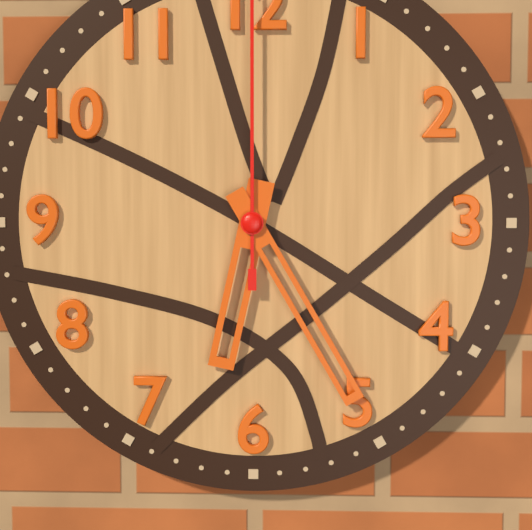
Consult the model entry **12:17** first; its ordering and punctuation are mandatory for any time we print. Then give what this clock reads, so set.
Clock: **6:25**
